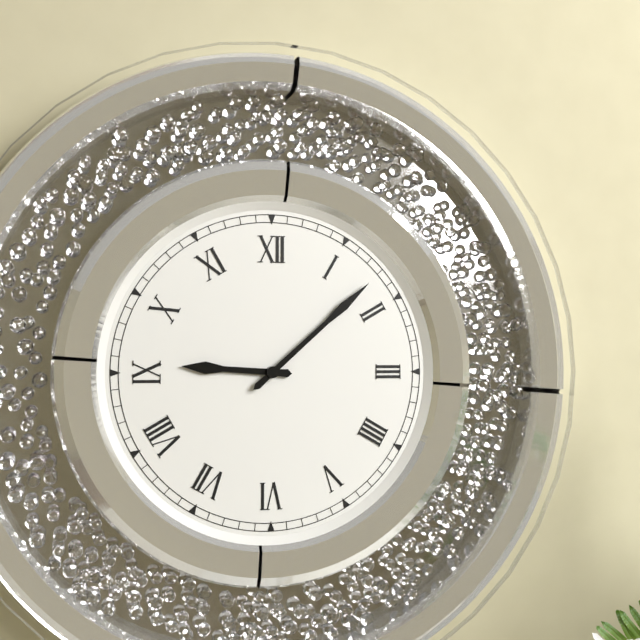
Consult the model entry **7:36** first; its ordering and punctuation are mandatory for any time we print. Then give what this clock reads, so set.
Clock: **9:08**
